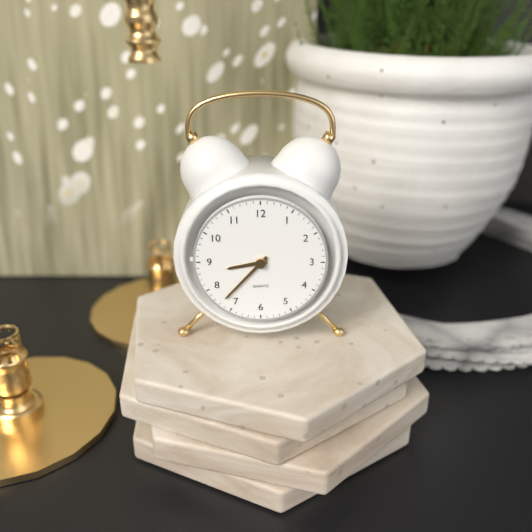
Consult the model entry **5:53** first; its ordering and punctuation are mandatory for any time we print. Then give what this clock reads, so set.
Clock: **8:37**
